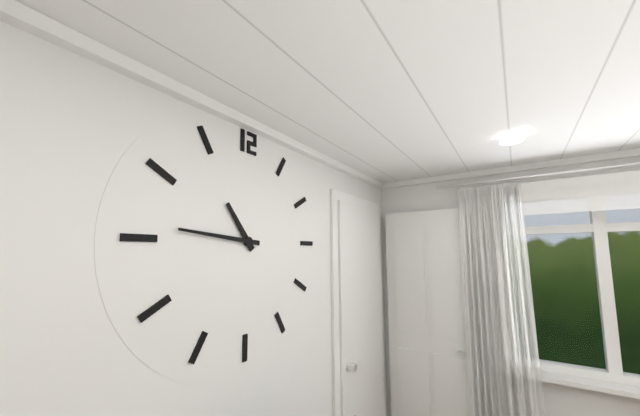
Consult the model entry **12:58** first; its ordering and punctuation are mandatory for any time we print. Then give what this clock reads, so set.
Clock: **10:46**
